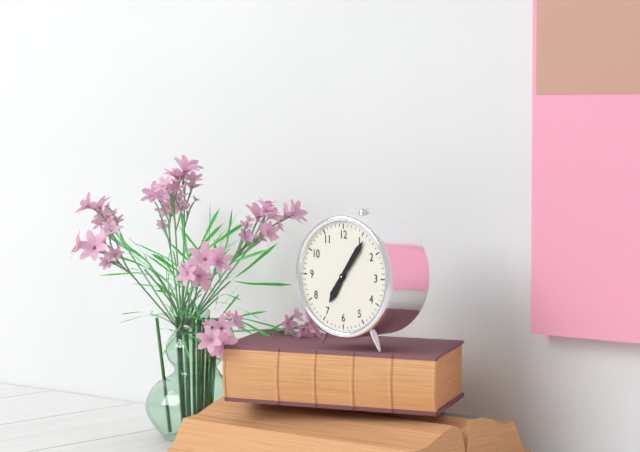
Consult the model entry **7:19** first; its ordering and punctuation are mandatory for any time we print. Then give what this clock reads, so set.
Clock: **7:06**
